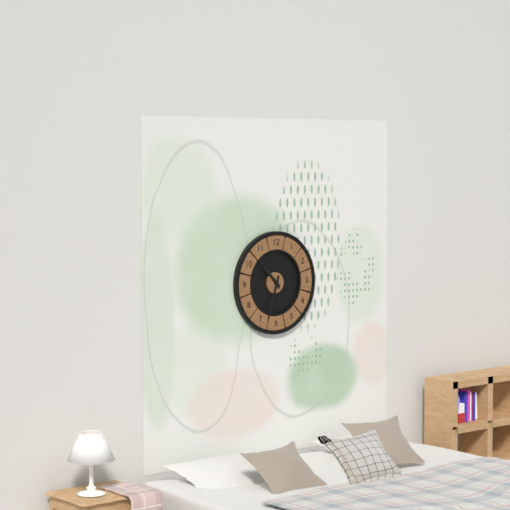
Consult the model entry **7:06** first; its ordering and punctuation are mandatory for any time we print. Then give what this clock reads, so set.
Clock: **10:33**
